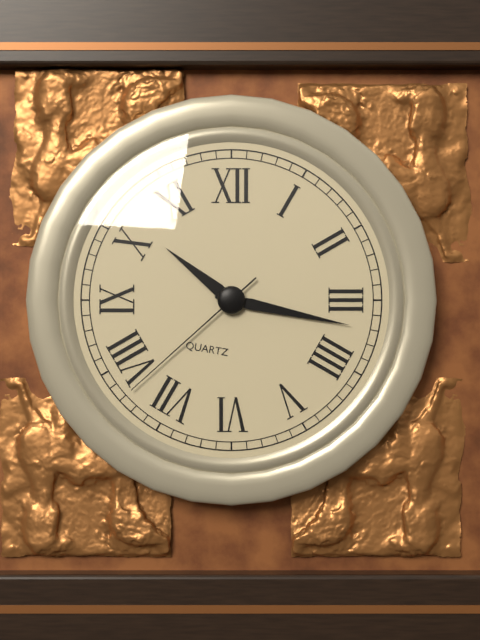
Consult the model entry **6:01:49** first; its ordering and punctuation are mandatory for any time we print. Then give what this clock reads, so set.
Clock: **10:17:38**
